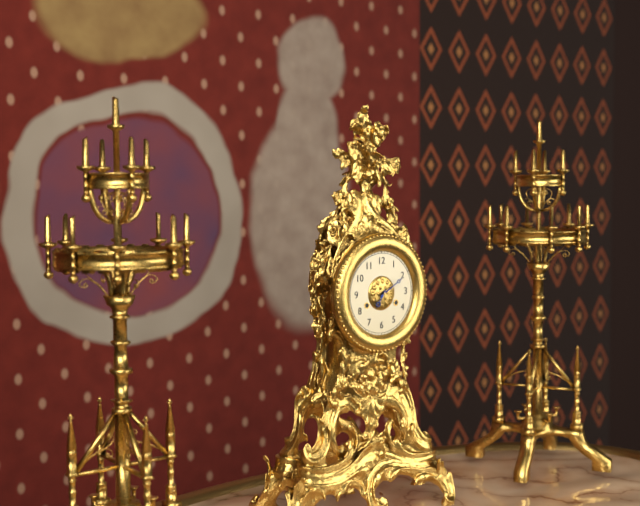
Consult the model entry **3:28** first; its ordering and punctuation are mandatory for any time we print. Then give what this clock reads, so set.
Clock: **7:10**
